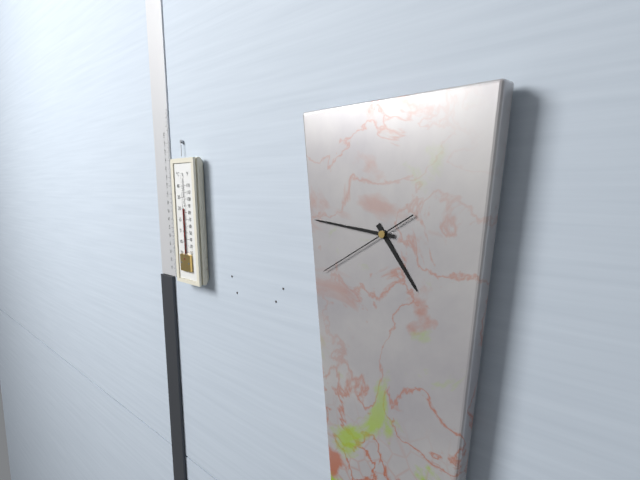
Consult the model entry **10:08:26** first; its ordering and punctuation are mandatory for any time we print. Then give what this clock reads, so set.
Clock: **4:46:40**
